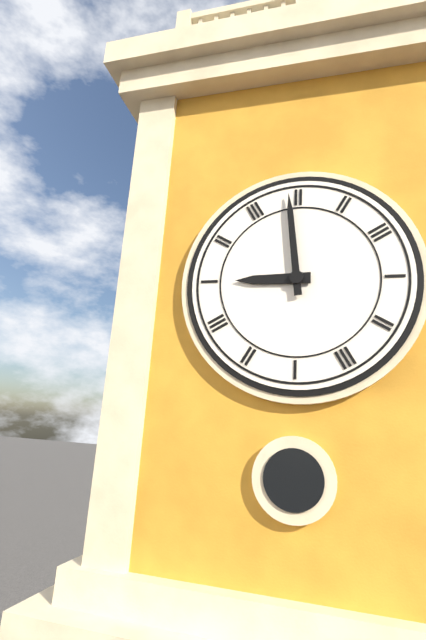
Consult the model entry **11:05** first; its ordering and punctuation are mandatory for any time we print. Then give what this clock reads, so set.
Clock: **8:59**
